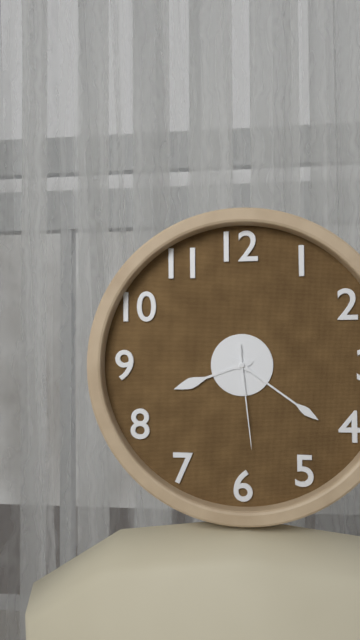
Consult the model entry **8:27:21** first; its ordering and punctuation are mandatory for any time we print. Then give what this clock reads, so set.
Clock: **8:21:29**
